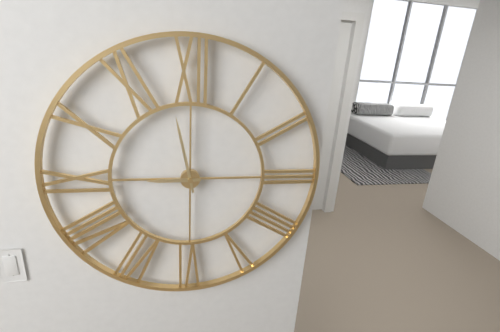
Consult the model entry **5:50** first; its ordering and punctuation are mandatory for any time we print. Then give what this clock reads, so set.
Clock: **8:58**
